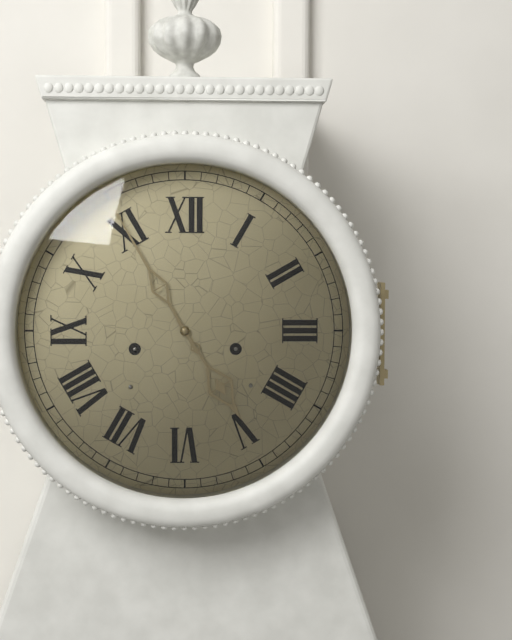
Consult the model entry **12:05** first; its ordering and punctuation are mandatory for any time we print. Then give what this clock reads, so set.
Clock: **4:55**
